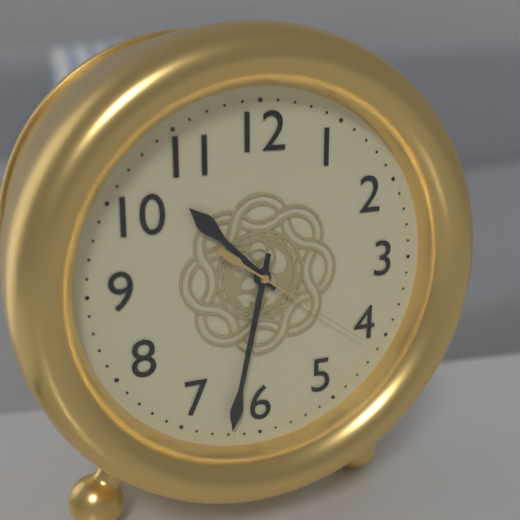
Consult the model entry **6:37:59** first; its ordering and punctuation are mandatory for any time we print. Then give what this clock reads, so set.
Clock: **10:32:21**
